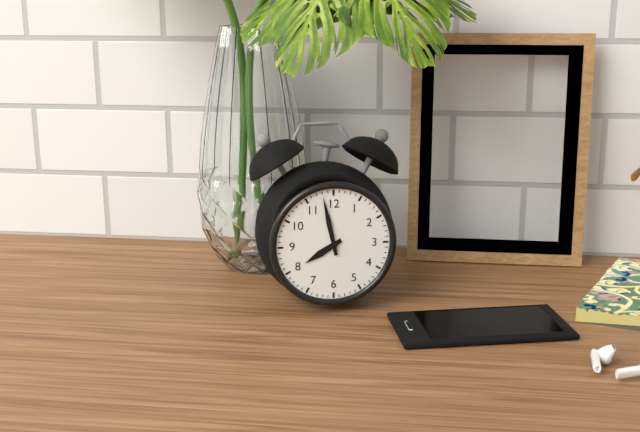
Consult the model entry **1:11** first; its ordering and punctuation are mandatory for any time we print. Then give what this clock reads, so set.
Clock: **7:58**
